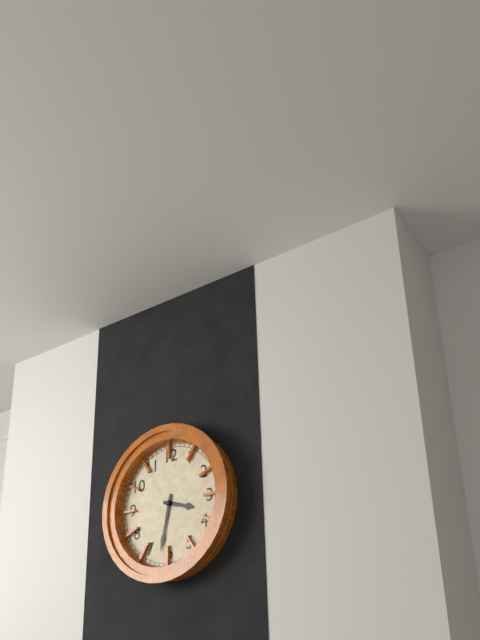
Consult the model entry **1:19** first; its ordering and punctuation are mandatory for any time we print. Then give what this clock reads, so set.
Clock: **3:32**
